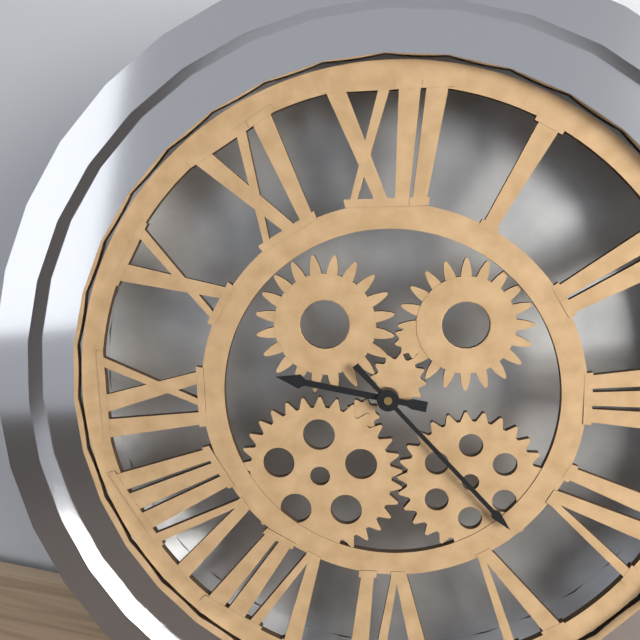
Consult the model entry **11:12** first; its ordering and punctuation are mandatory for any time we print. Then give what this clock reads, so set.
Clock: **9:23**
